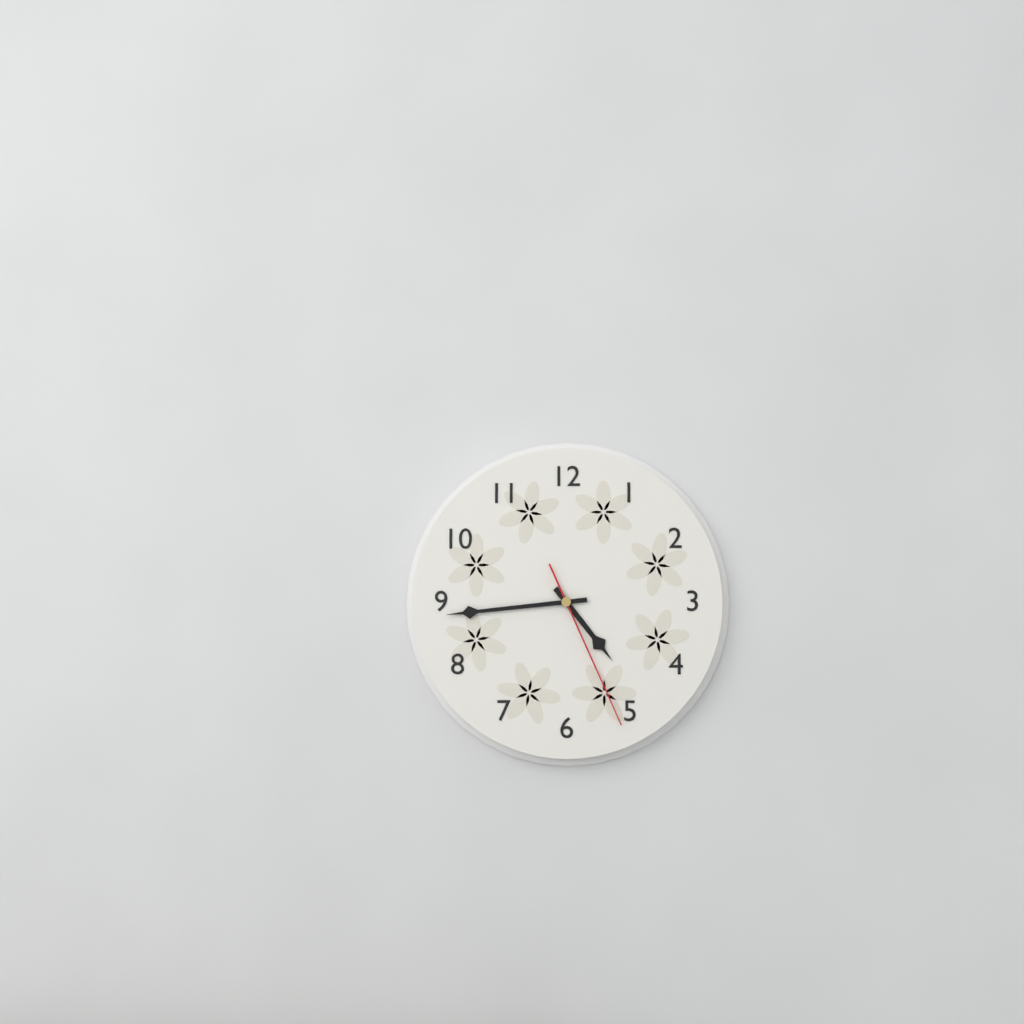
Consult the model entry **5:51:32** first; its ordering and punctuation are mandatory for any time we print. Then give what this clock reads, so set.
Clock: **4:44:26**
